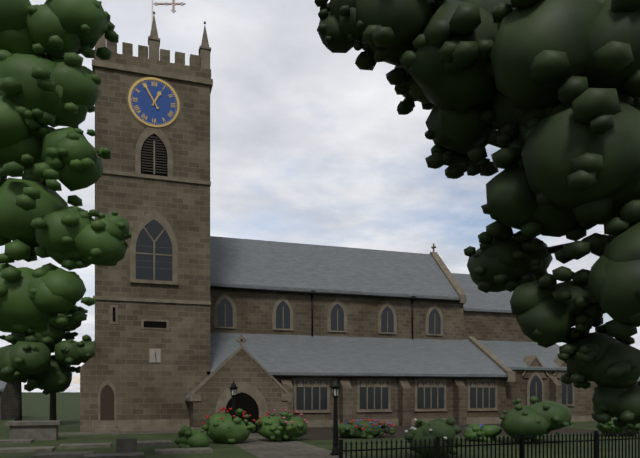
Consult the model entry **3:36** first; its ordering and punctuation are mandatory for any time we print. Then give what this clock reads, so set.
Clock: **12:55**
